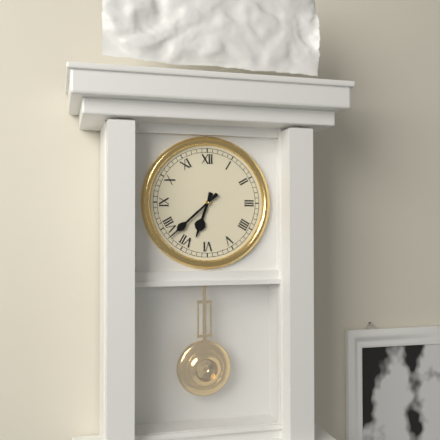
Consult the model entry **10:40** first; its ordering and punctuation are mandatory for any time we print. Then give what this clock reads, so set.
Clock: **6:38**
